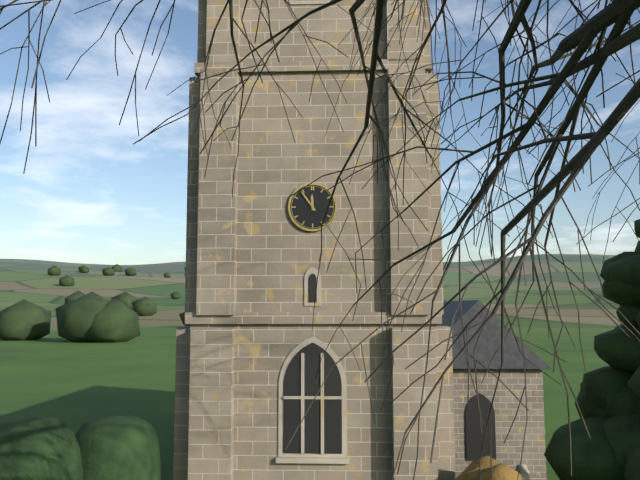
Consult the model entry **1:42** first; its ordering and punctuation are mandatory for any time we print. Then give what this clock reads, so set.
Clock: **11:54**
